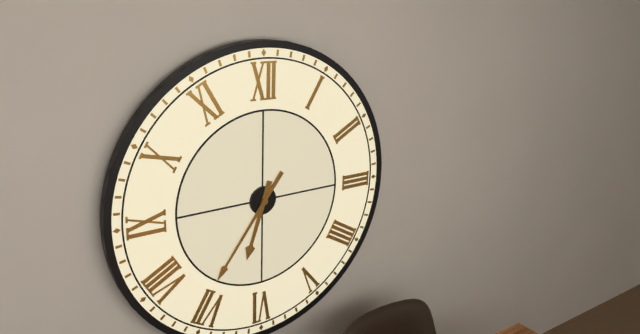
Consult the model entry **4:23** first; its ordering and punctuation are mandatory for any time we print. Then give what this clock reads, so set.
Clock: **6:36**
